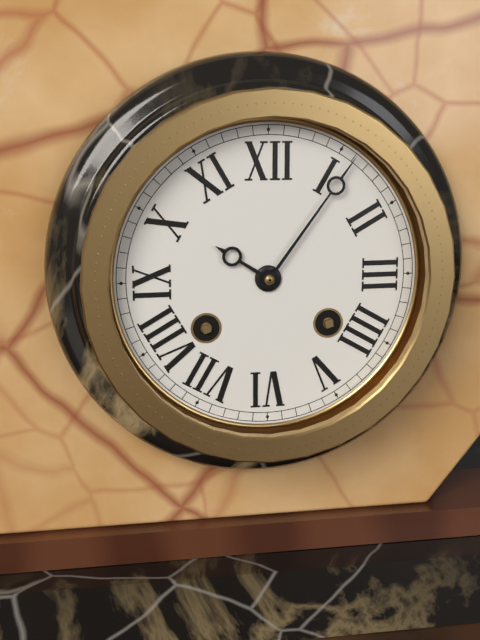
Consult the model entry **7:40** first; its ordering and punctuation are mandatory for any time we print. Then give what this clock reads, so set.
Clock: **10:06**
